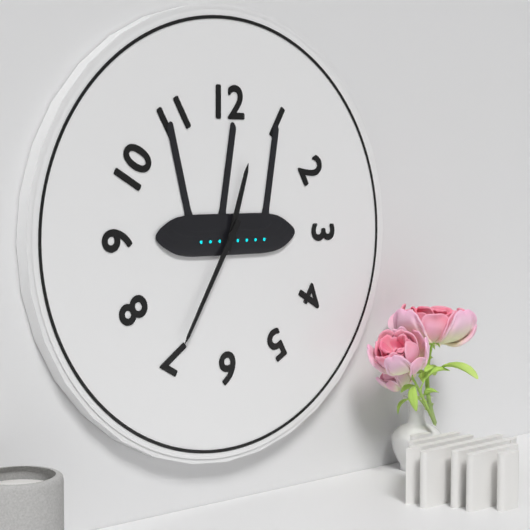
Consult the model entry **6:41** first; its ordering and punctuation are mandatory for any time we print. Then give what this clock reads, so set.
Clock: **12:35**
